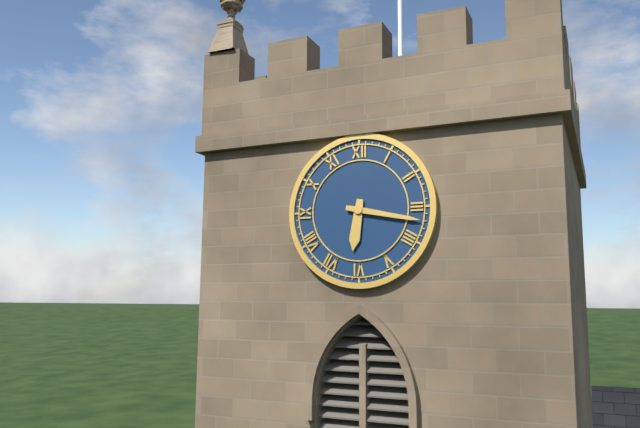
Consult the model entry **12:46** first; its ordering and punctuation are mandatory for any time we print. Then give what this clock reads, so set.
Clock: **6:17**
